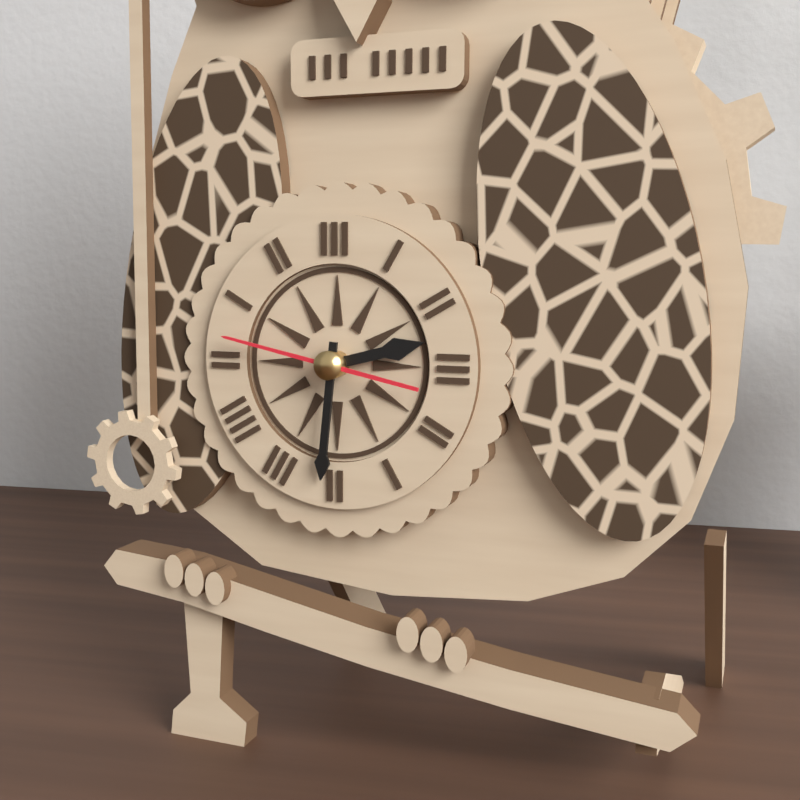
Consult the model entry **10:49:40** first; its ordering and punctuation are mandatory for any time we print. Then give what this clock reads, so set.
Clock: **2:31:47**
